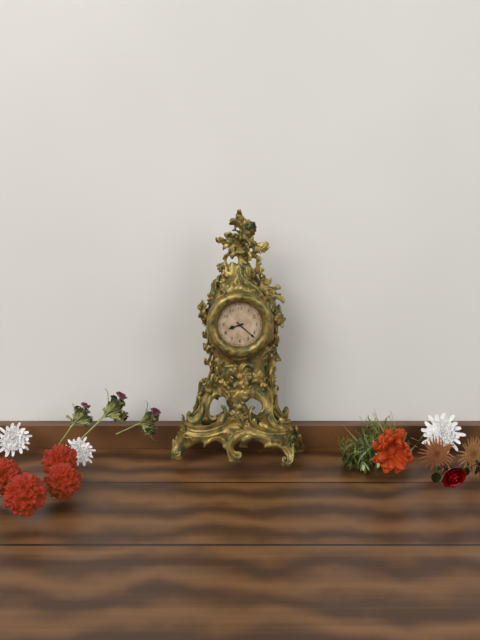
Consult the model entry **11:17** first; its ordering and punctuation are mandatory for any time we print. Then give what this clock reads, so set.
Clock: **8:22**
